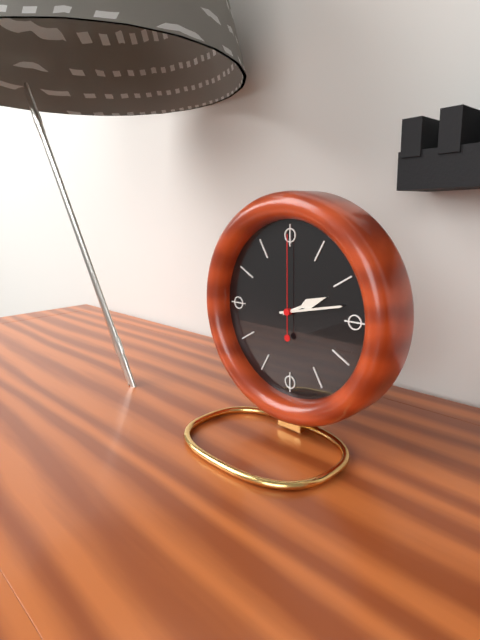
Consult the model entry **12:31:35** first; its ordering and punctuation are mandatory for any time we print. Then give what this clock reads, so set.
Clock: **2:13:00**
